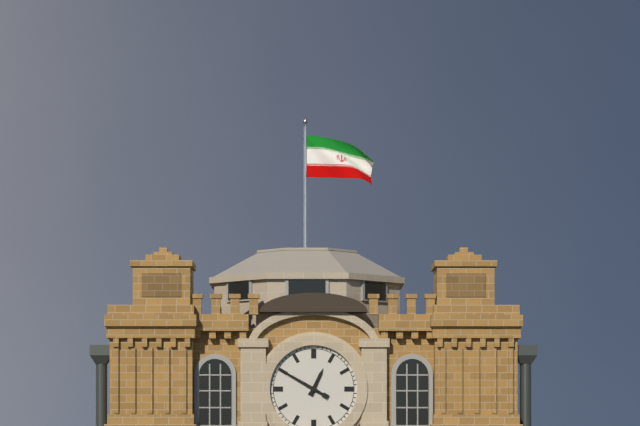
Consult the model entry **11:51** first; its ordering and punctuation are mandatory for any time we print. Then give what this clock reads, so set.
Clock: **12:50**
